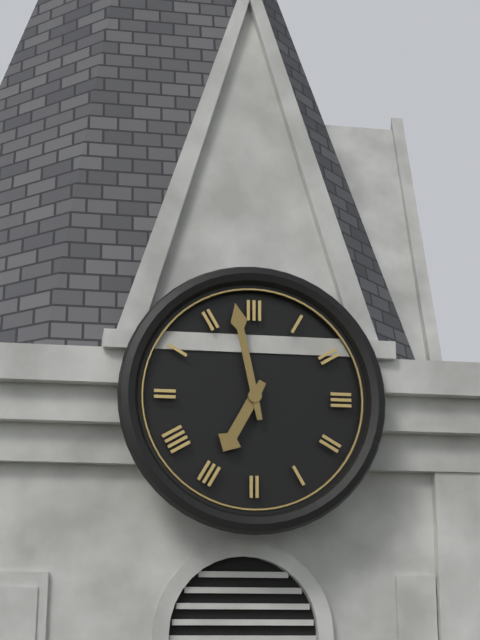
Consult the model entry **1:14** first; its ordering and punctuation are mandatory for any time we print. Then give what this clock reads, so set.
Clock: **6:58**
